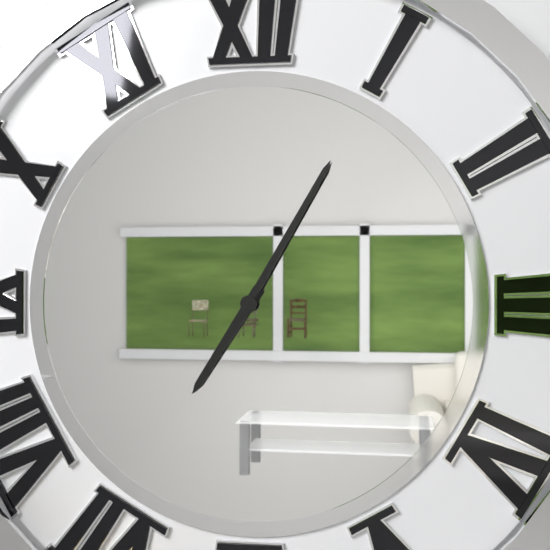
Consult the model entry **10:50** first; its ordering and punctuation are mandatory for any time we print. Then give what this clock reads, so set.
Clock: **7:05**
